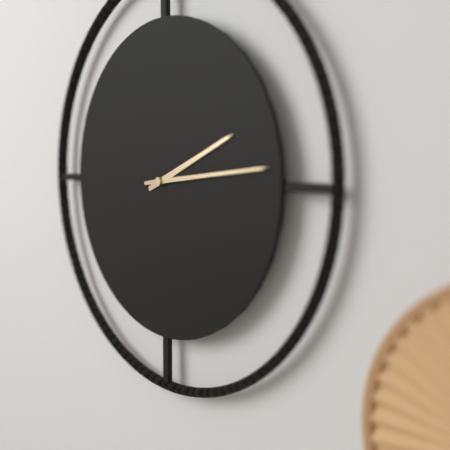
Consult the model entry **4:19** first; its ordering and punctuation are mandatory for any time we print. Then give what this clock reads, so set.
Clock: **2:14**
